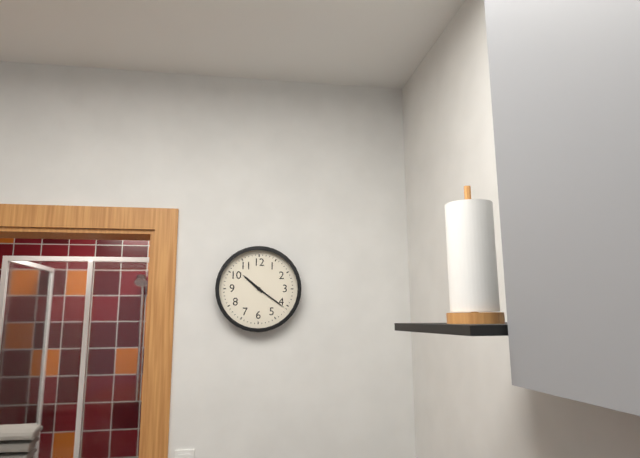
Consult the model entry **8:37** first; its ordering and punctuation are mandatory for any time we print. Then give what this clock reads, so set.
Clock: **10:21**
